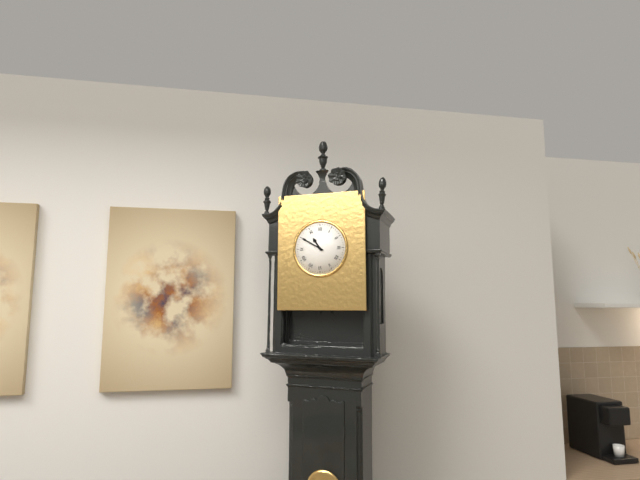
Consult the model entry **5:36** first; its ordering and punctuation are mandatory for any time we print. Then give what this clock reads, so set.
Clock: **10:50**
